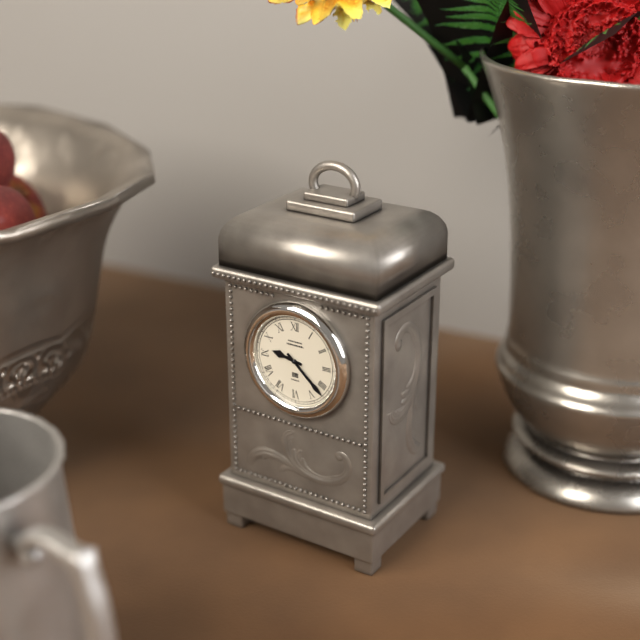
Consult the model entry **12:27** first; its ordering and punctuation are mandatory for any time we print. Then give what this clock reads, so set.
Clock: **9:22**
